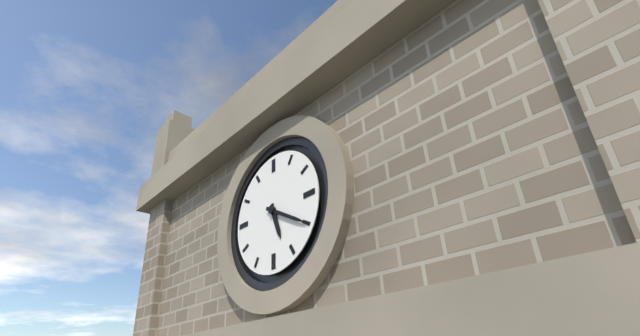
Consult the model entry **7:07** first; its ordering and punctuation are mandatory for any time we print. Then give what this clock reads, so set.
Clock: **5:20**
